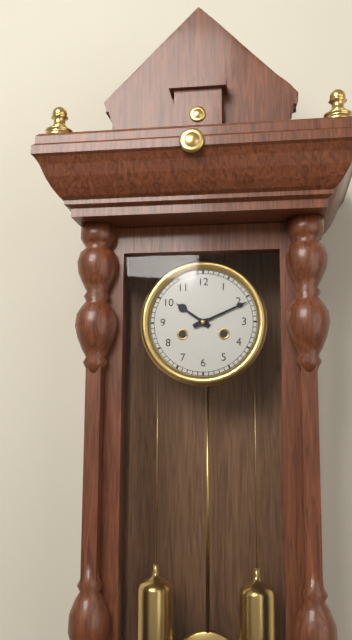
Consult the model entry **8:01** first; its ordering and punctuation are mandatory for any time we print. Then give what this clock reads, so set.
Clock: **10:11**
